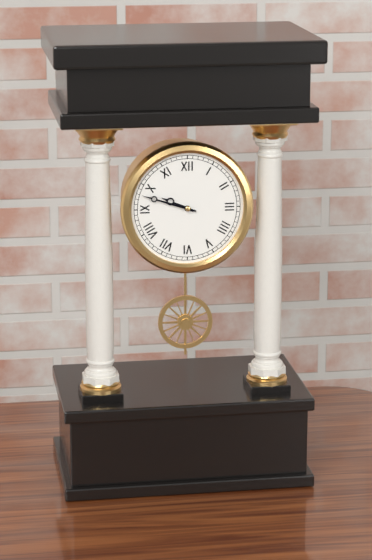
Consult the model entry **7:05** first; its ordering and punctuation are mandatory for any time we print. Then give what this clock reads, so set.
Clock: **9:48**
